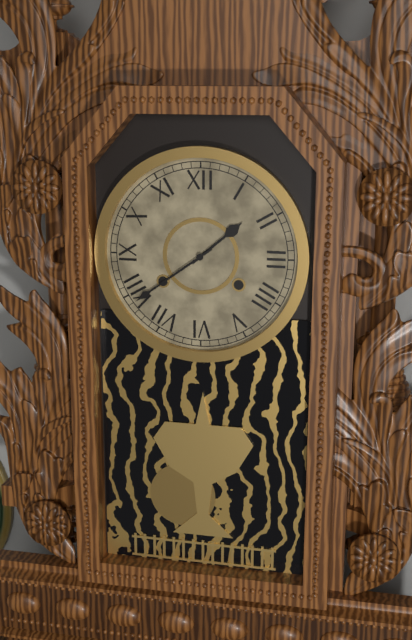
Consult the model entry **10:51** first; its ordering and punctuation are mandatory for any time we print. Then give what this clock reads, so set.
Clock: **1:39**
